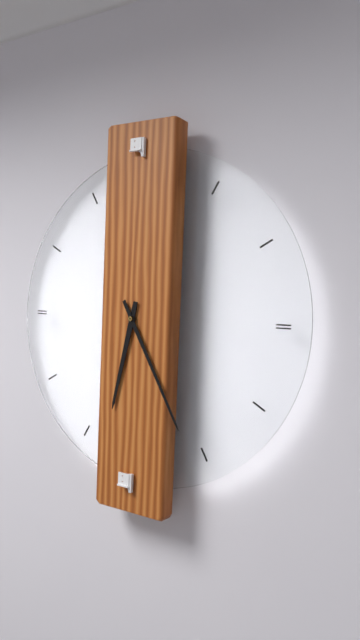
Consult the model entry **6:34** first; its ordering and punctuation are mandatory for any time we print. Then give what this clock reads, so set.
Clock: **6:25**
